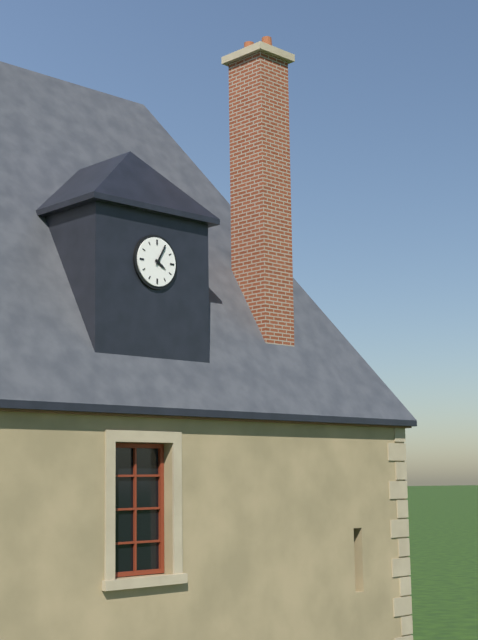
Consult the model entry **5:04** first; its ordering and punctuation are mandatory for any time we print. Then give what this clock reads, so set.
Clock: **4:05**
